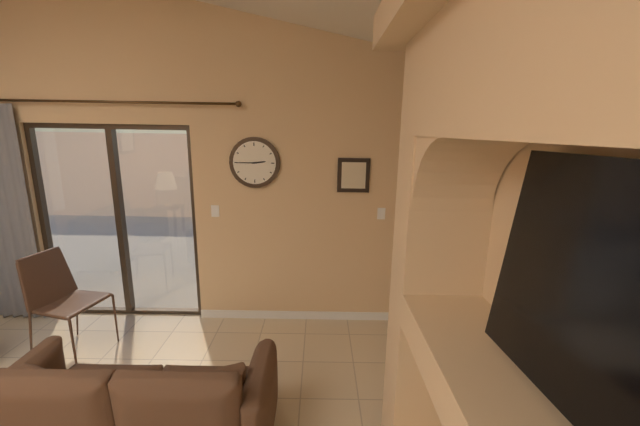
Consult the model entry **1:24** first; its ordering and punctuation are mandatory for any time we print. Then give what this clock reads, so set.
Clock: **2:45**
